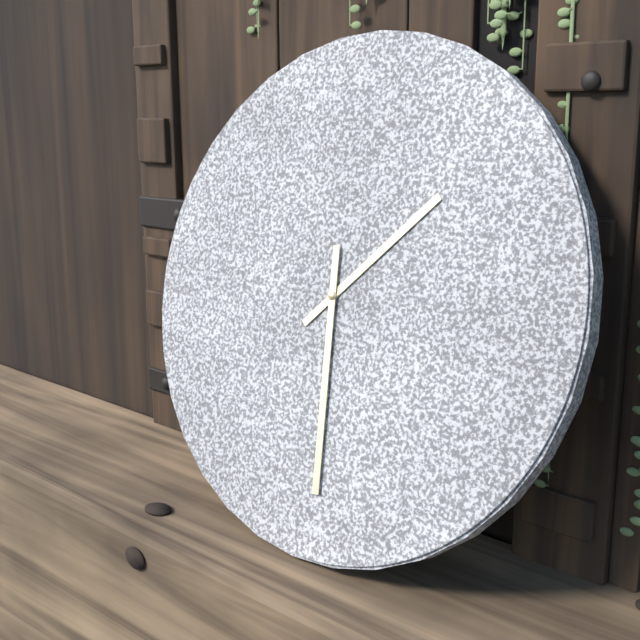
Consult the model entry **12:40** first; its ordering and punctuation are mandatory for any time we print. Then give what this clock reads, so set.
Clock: **1:29**
